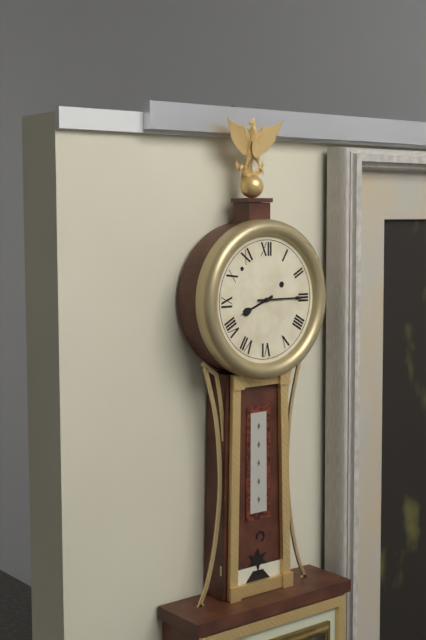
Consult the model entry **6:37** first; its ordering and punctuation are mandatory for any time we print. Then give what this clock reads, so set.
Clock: **8:15**
